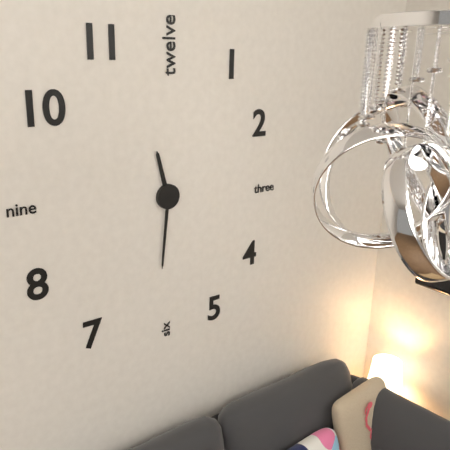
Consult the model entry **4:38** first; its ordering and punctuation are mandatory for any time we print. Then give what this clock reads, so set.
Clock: **11:31**
